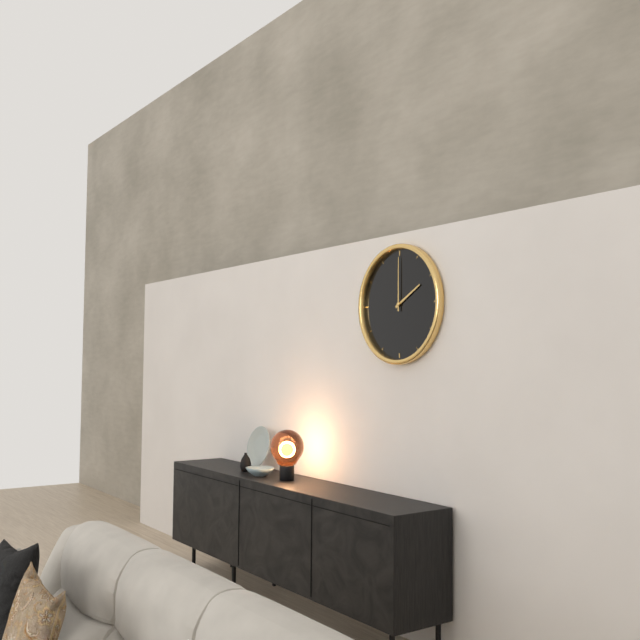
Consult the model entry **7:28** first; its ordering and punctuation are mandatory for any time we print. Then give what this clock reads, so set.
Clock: **2:00**
